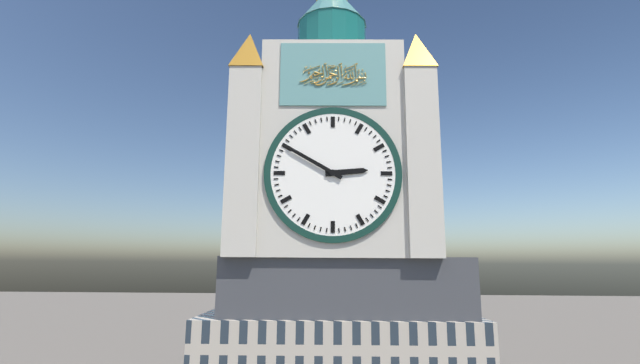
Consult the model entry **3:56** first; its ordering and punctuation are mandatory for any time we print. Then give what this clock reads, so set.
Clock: **2:50**
